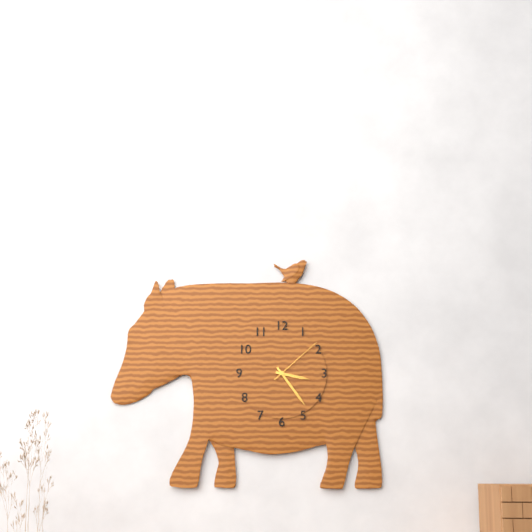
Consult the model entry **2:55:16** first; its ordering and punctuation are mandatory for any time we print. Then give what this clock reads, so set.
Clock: **3:24:08**
